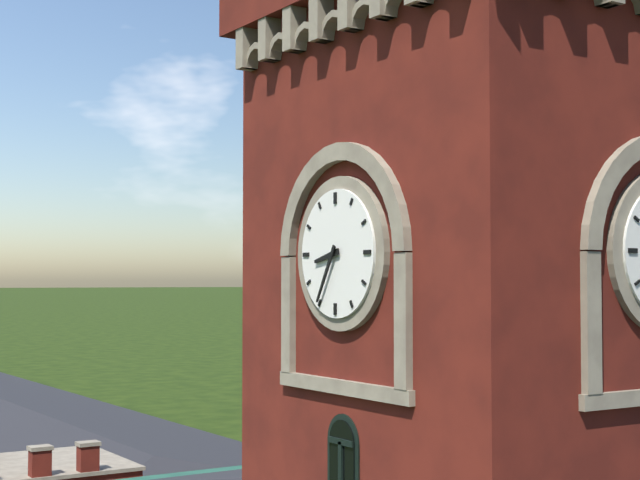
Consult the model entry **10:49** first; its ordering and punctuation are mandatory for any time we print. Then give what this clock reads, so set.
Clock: **8:35**
